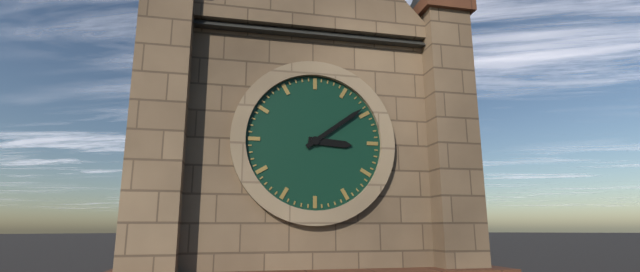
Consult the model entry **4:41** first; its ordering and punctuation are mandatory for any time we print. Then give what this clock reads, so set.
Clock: **3:09**
